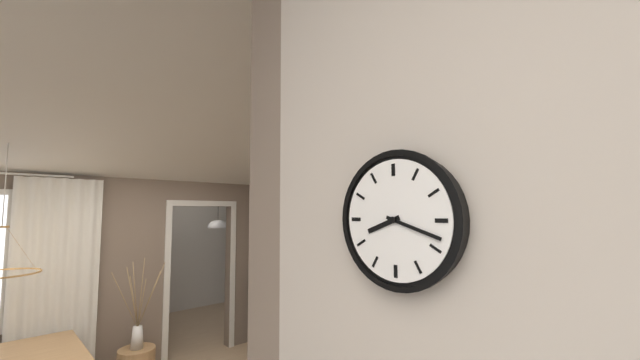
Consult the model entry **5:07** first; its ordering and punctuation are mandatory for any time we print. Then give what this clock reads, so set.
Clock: **8:18**
